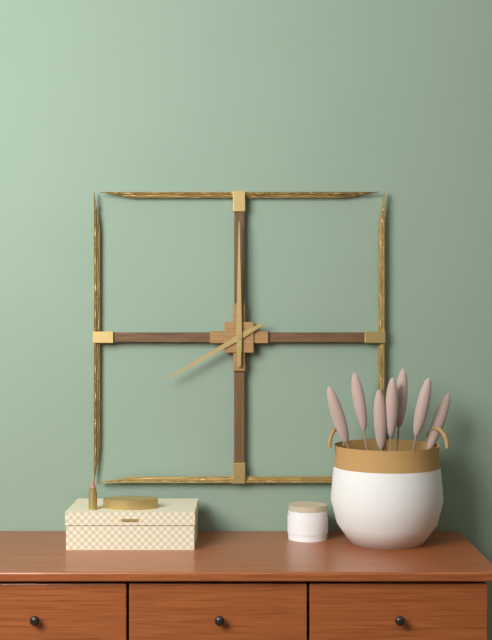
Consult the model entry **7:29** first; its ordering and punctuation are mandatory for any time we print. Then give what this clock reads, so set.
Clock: **8:00**
